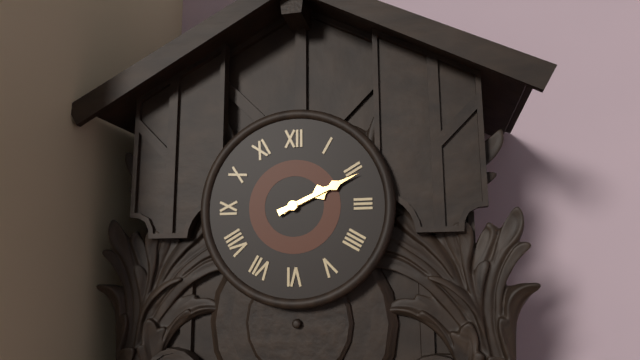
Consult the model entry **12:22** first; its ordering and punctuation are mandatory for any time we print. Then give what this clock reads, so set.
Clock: **2:11**
